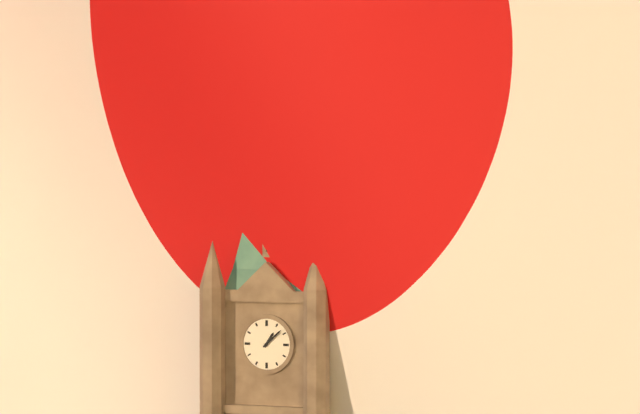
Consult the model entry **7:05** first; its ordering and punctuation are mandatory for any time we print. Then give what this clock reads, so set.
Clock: **1:08**
